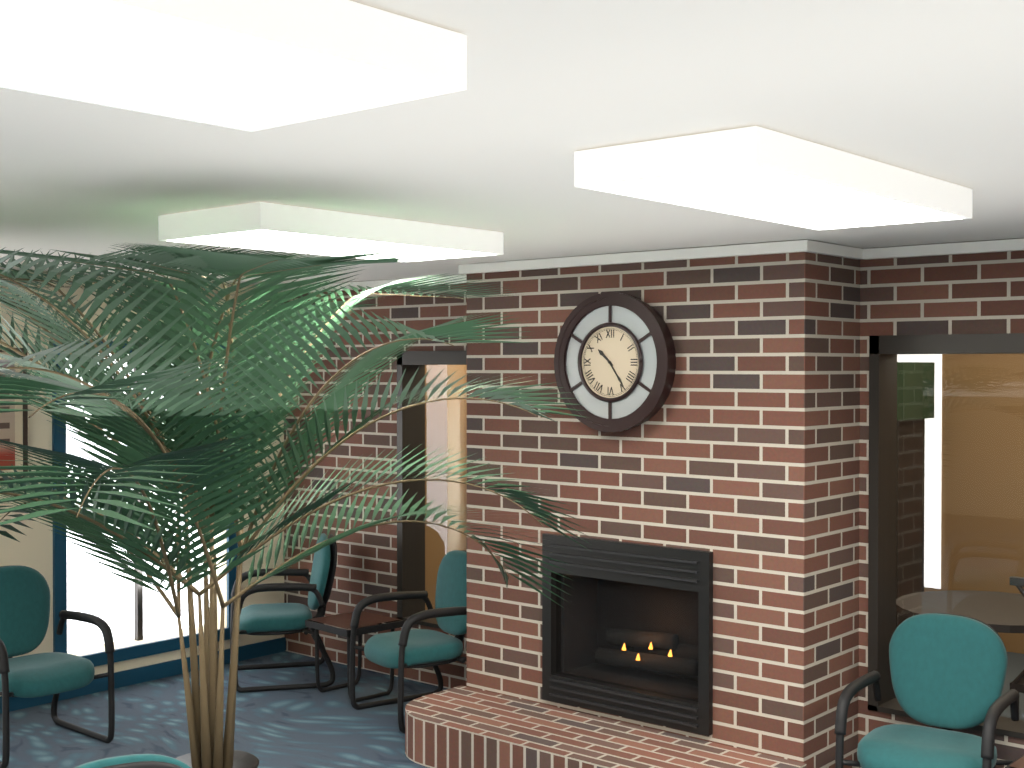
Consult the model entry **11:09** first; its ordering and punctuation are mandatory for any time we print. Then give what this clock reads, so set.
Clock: **10:24**
